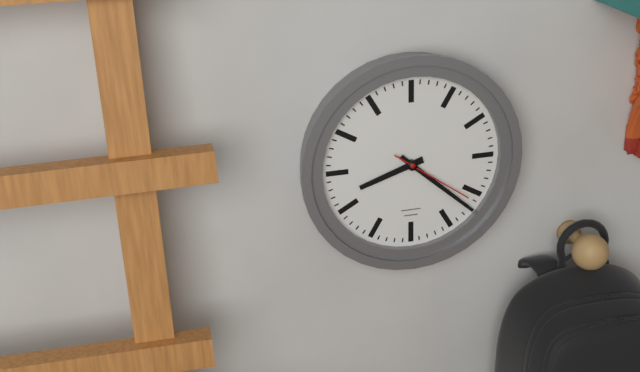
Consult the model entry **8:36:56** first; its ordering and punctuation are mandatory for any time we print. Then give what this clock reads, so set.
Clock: **8:22:21**
